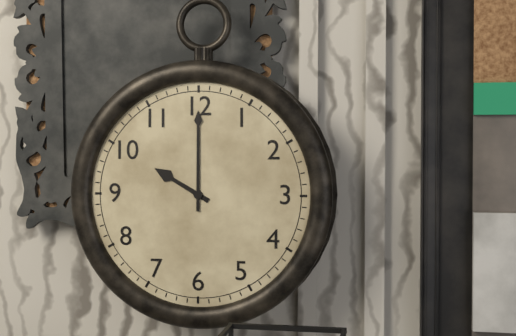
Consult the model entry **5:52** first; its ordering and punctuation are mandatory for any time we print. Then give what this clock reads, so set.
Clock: **10:00**
